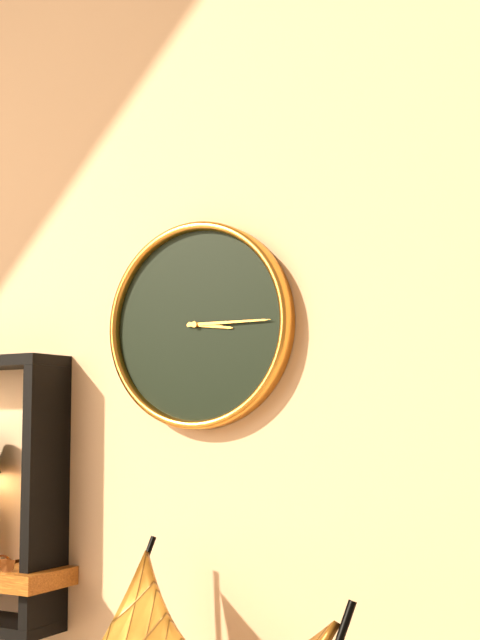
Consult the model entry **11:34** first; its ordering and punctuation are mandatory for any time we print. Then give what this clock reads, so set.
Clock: **3:15**
